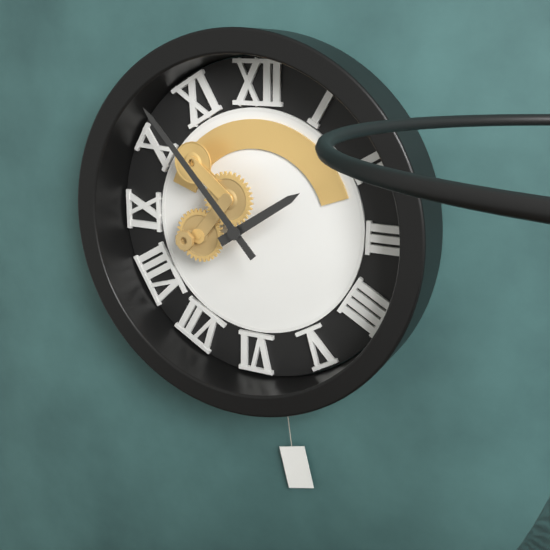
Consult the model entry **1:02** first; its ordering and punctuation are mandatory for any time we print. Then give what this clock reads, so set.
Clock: **1:53**
